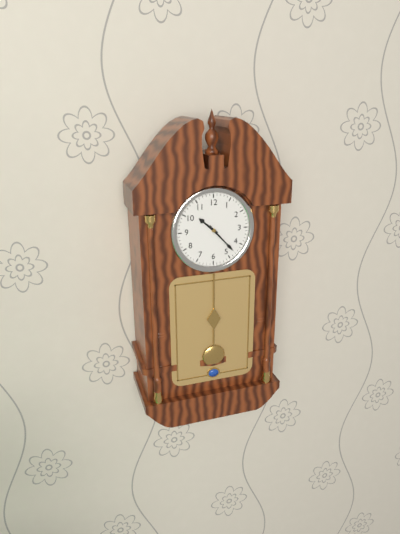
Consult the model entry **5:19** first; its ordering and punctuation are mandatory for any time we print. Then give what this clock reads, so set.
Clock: **10:23**
